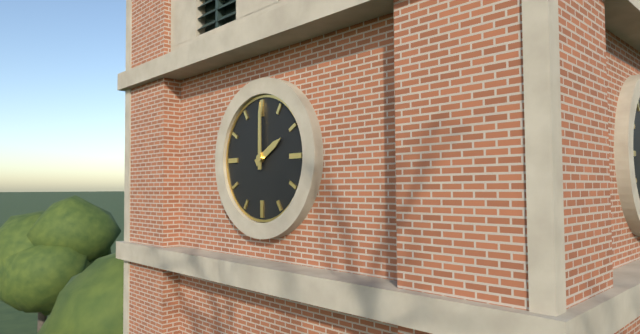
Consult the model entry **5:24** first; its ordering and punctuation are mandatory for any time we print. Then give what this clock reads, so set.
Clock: **2:00**
